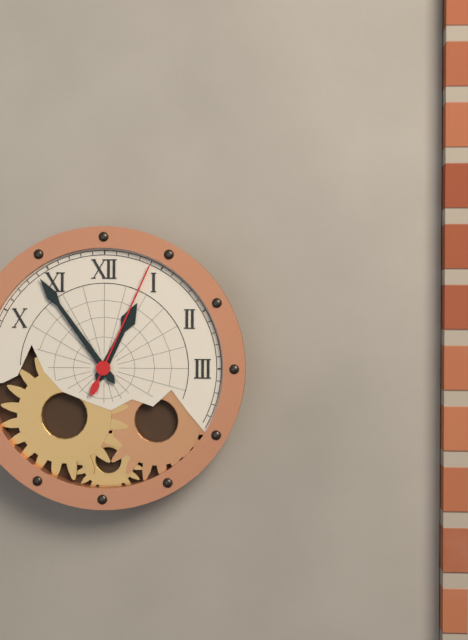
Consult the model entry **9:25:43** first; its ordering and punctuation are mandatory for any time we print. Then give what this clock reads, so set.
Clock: **12:54:04**
